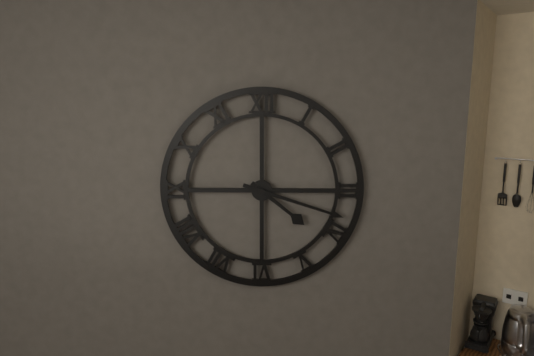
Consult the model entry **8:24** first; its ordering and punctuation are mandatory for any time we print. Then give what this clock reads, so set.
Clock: **4:18**
